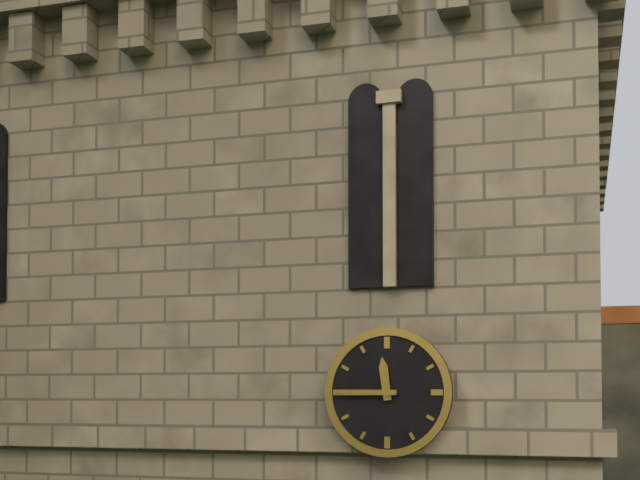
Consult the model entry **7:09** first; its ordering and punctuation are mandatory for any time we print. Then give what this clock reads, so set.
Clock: **11:45**
